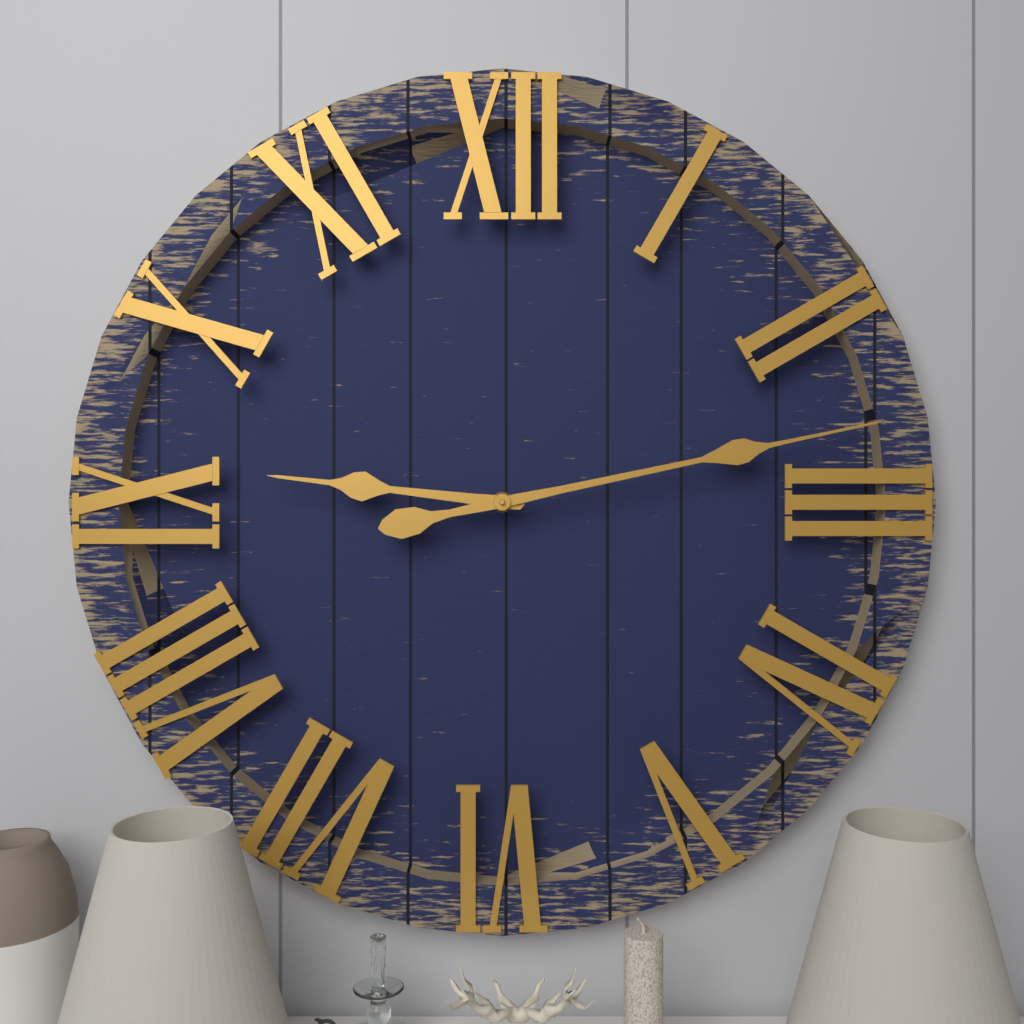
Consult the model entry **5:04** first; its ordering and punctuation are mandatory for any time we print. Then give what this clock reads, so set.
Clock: **9:13**
